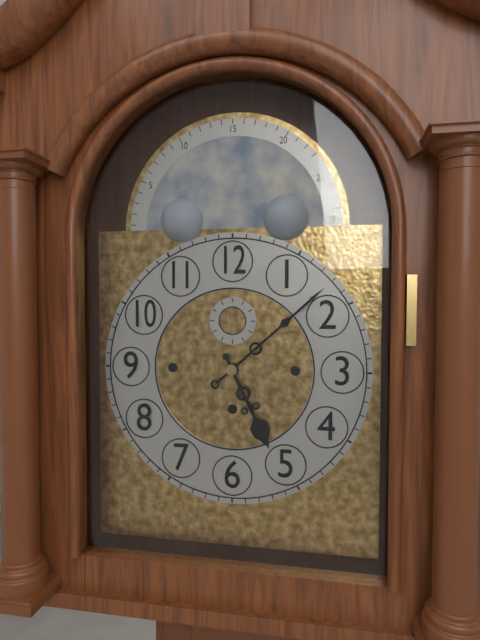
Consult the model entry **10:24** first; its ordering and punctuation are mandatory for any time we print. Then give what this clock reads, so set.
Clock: **5:08**
